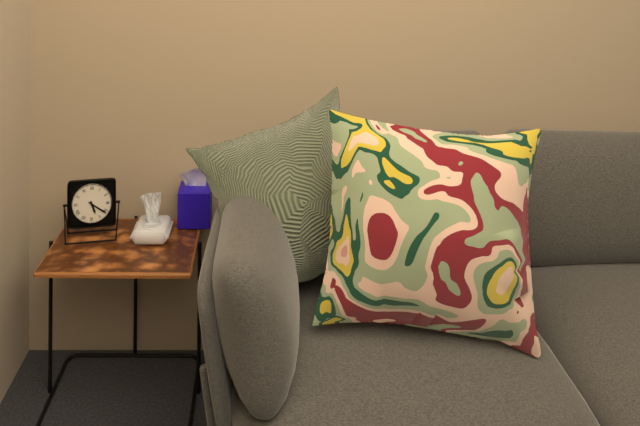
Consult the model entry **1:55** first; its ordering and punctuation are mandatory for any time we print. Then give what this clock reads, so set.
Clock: **5:21**
